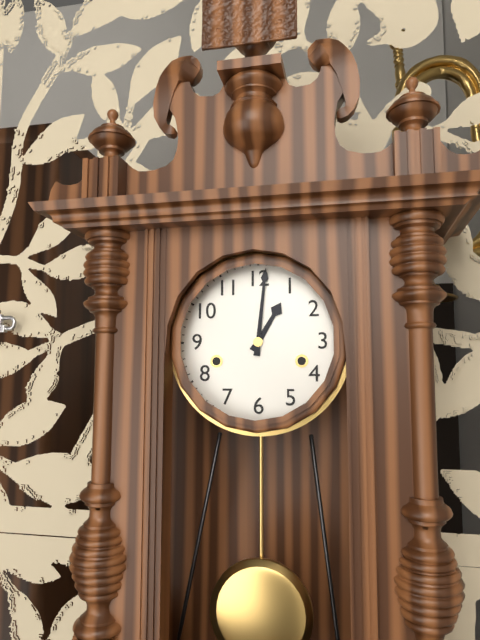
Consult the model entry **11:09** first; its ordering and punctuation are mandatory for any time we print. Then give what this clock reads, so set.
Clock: **1:01**
